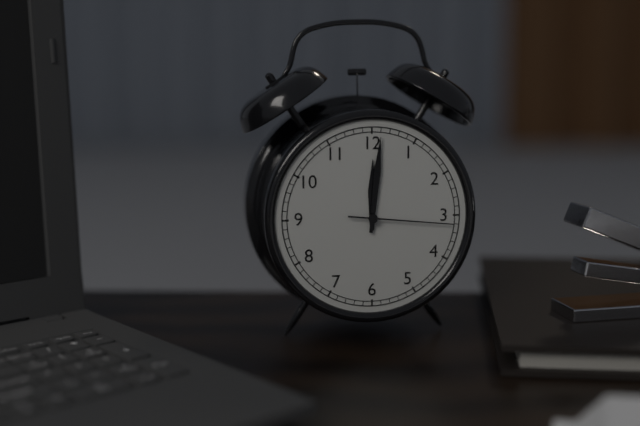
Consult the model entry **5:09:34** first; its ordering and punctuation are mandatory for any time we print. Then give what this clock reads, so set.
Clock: **12:01:16**
